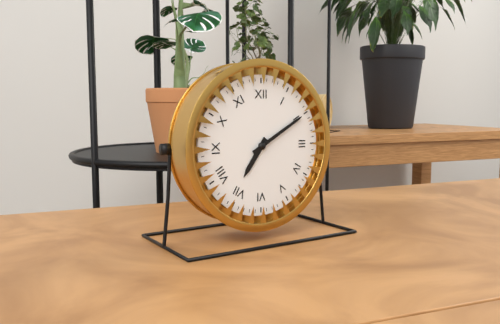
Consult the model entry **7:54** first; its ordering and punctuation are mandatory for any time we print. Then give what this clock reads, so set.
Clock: **7:10**
